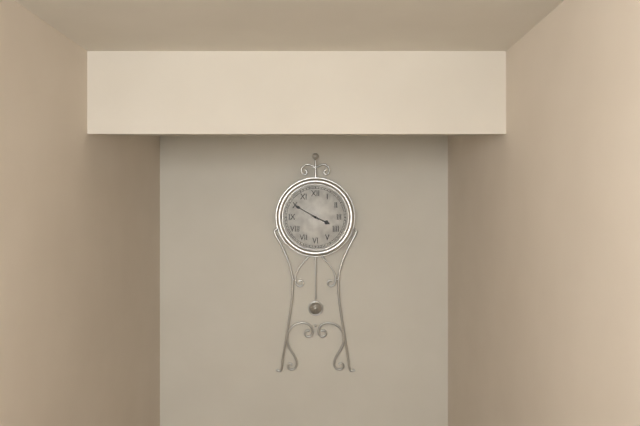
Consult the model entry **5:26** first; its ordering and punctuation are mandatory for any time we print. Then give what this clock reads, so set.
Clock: **3:50**
